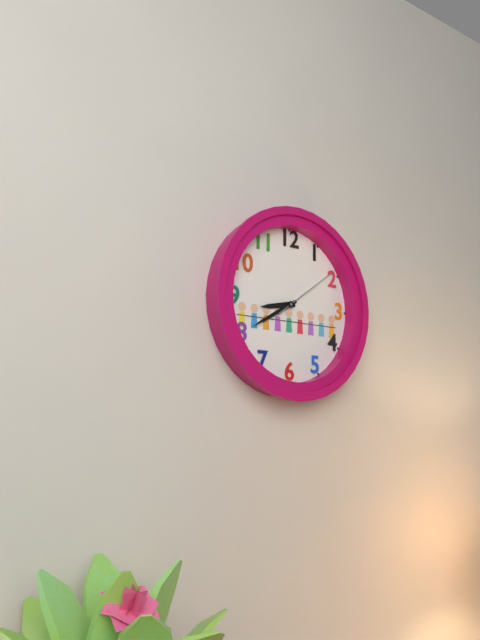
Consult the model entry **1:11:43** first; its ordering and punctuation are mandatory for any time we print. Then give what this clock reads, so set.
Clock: **8:40:09**
